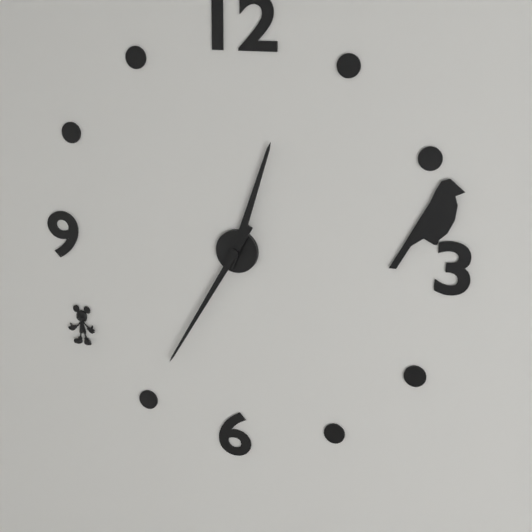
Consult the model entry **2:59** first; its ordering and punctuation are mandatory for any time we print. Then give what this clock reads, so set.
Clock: **12:35**
